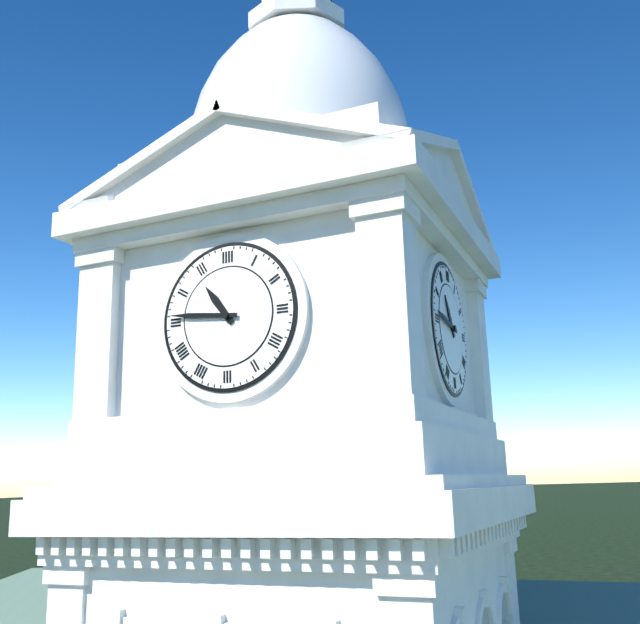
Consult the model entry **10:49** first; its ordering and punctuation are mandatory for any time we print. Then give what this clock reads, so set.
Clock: **10:46**
